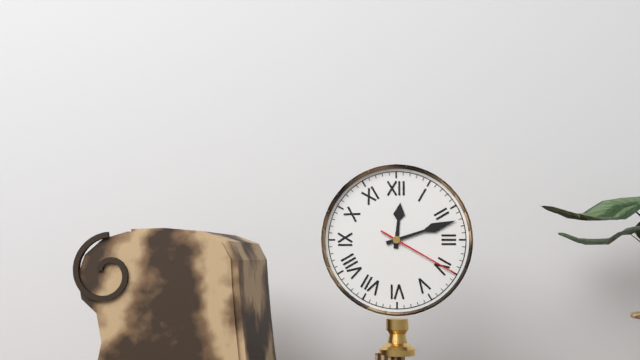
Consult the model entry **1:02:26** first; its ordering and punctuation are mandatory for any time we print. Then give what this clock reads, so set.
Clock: **12:12:20**
